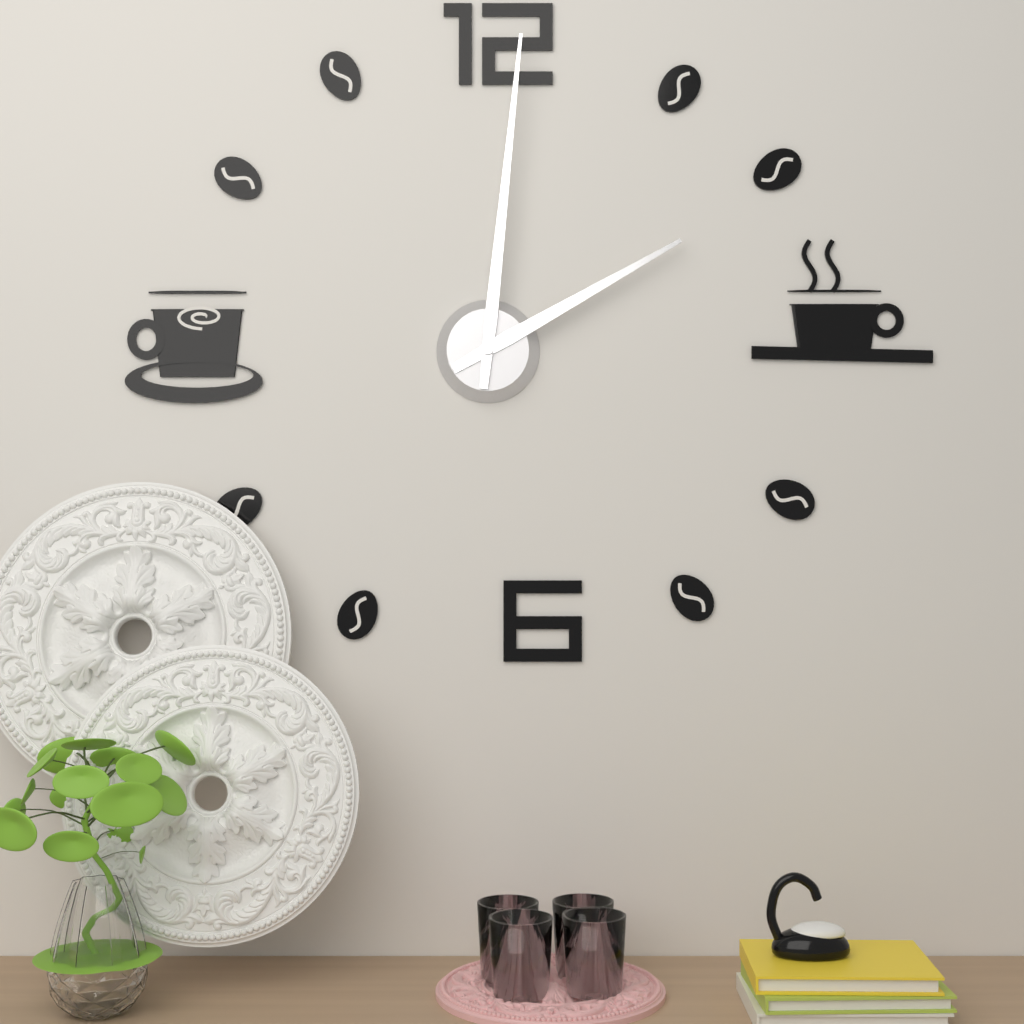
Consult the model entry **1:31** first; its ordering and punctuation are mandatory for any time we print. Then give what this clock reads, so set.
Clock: **2:01**
